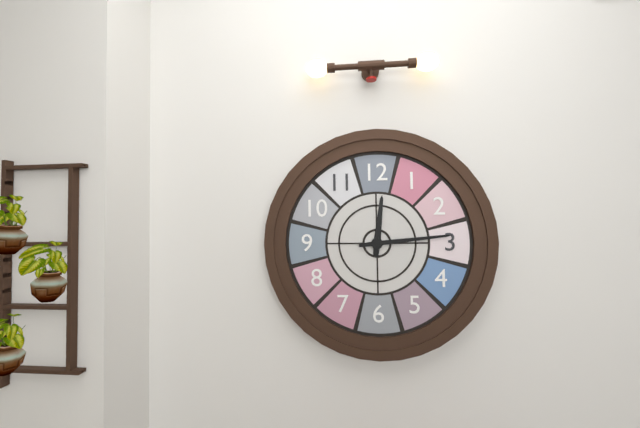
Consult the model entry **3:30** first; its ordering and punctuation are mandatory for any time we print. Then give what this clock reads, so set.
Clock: **12:14**
